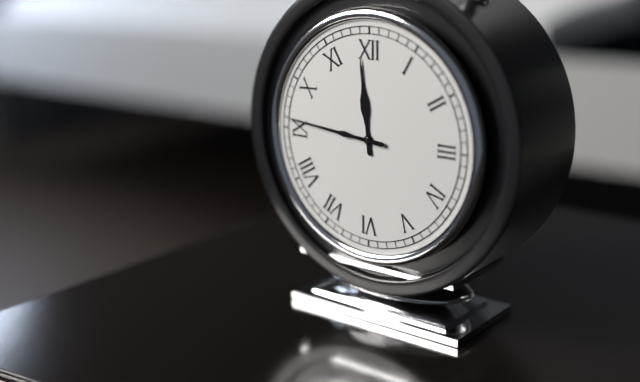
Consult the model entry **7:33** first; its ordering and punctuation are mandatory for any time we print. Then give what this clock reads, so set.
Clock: **11:46**
